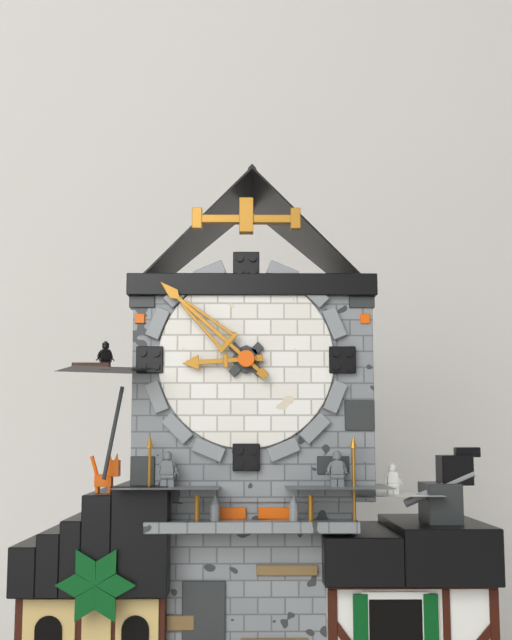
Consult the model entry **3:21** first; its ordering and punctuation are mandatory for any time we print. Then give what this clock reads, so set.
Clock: **8:52**
